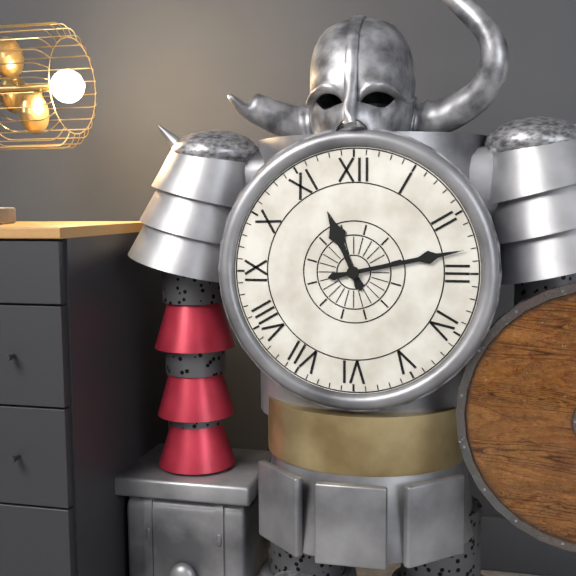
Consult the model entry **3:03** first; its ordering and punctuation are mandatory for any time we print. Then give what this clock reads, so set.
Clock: **11:13**
